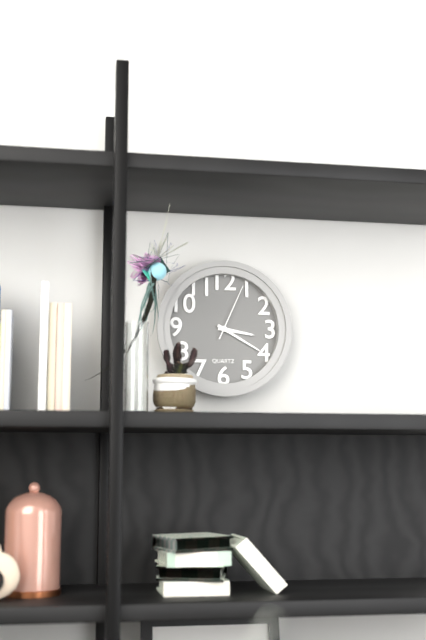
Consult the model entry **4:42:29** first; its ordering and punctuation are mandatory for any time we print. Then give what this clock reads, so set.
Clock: **3:20:04**
